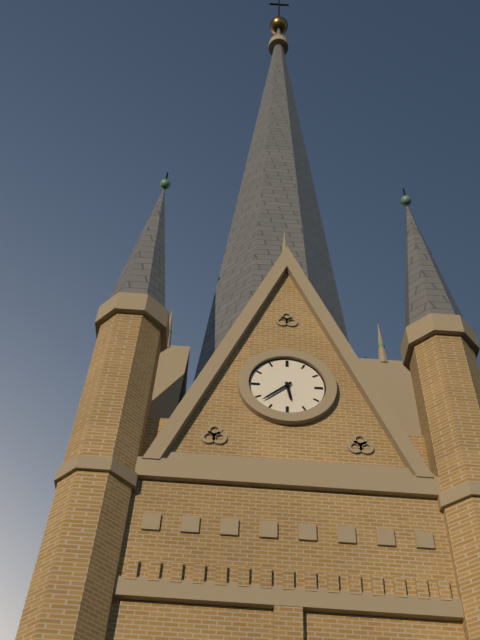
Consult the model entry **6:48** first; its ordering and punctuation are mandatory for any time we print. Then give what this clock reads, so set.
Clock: **5:38**
